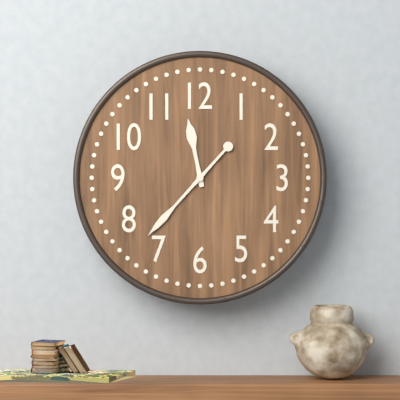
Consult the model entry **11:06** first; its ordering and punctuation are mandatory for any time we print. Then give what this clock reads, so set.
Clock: **11:37**
